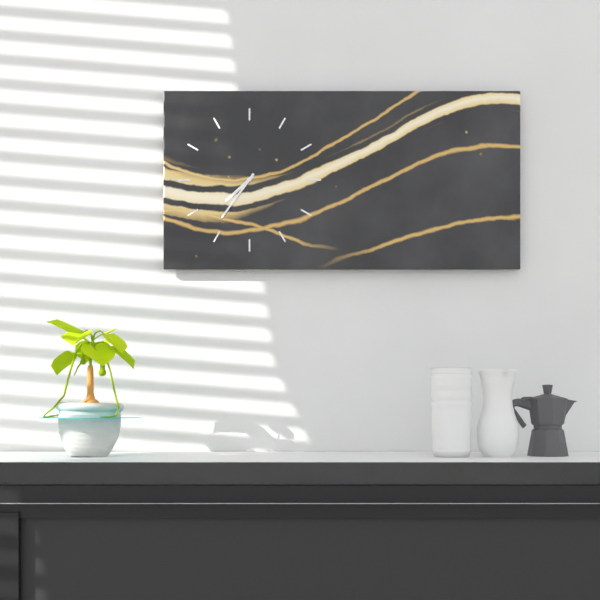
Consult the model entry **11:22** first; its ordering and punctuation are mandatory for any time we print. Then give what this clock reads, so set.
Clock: **7:36**
